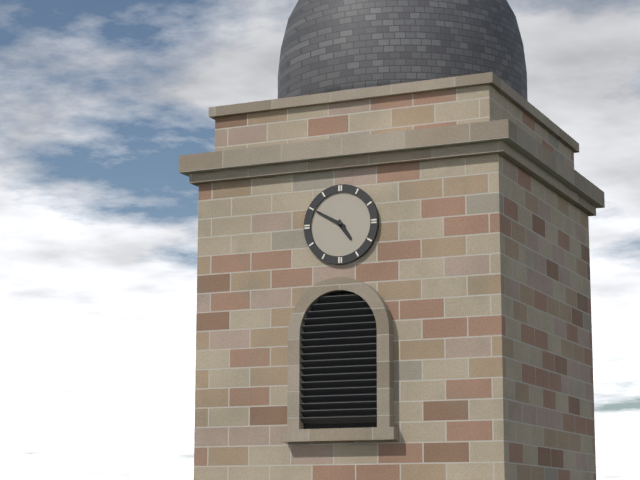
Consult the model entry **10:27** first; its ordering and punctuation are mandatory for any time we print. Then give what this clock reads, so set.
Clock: **4:50**
